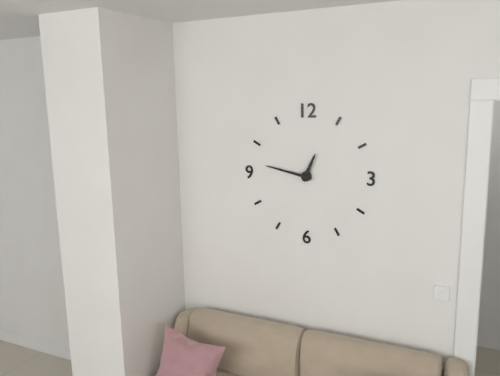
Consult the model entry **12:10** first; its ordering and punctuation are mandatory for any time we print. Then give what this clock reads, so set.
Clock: **12:47**
